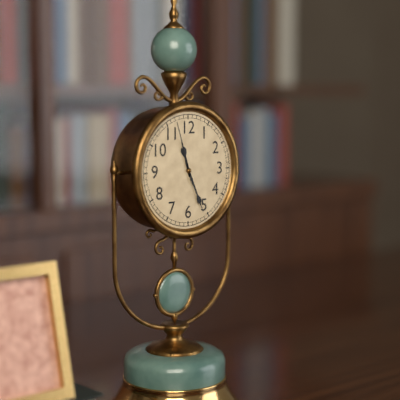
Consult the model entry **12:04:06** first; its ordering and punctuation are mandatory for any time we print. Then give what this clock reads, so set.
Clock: **11:26:57**
